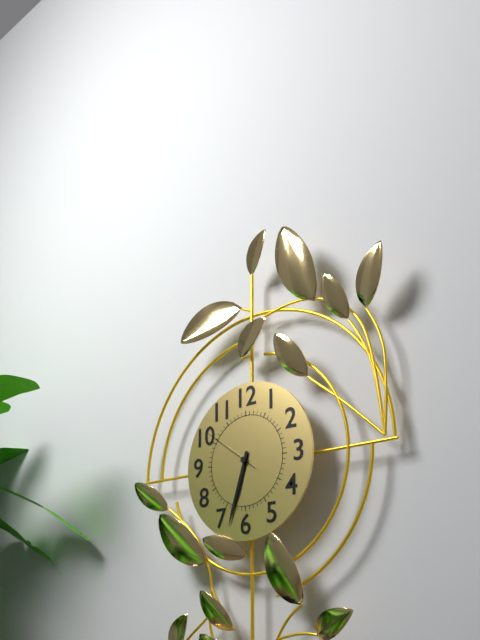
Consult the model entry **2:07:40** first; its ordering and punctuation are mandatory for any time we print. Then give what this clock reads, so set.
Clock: **6:33:51**
